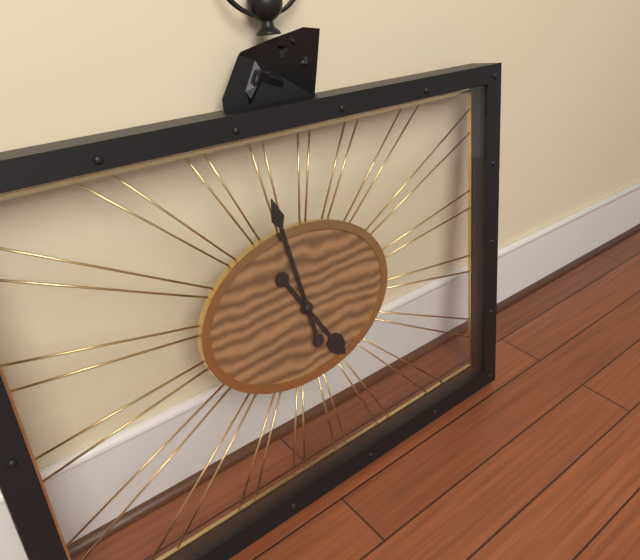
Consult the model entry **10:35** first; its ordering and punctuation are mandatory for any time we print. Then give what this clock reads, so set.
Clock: **4:58**
